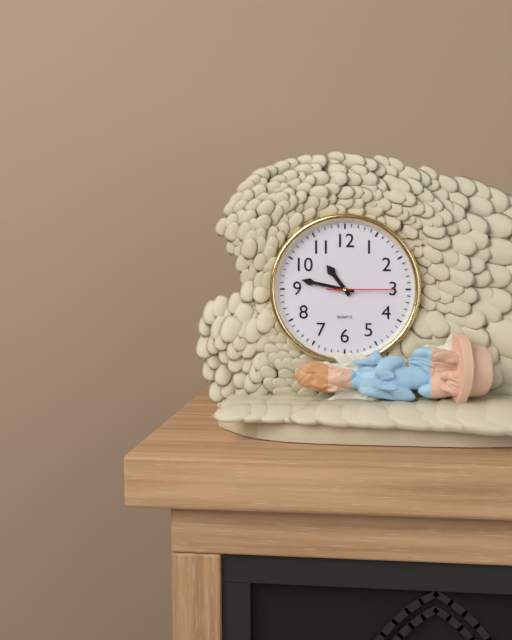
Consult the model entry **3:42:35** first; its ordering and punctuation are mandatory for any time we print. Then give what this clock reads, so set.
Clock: **10:47:15**
